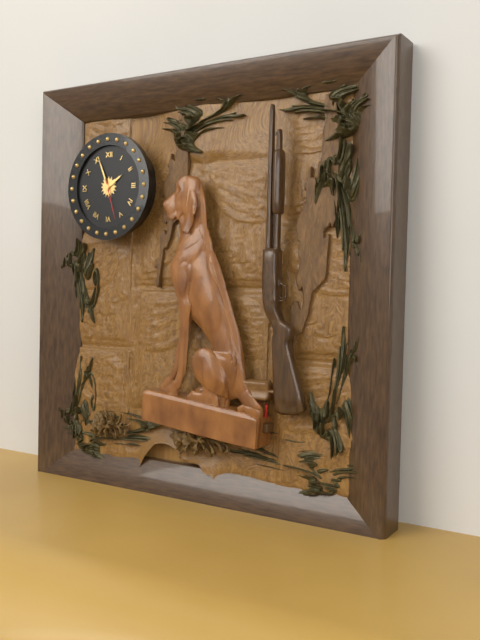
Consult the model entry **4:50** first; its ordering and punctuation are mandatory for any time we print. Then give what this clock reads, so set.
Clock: **1:56**
